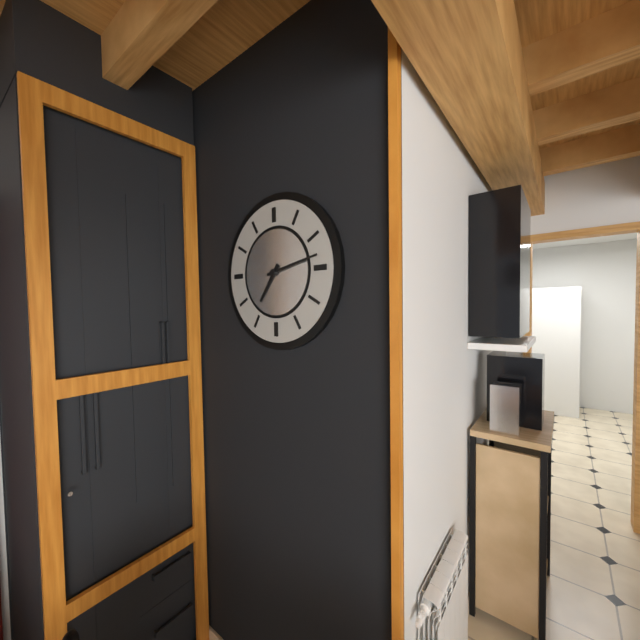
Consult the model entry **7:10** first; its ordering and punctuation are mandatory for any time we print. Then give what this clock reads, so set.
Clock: **7:13**
